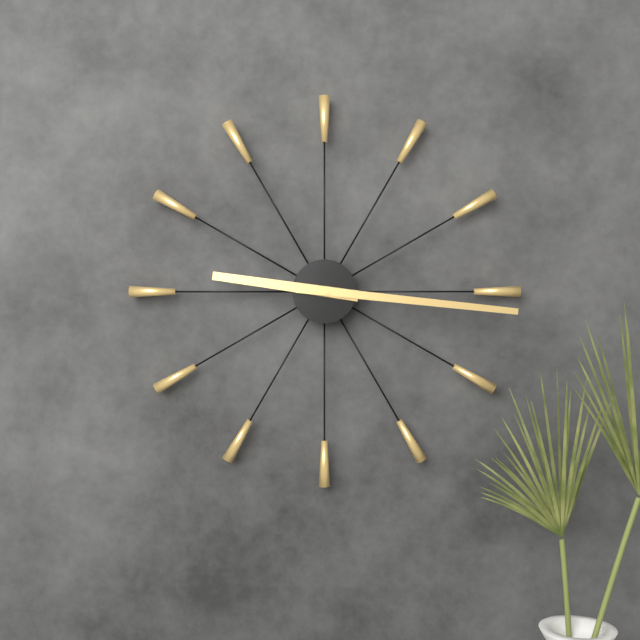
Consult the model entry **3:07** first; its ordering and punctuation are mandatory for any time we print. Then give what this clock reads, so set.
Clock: **9:16**
